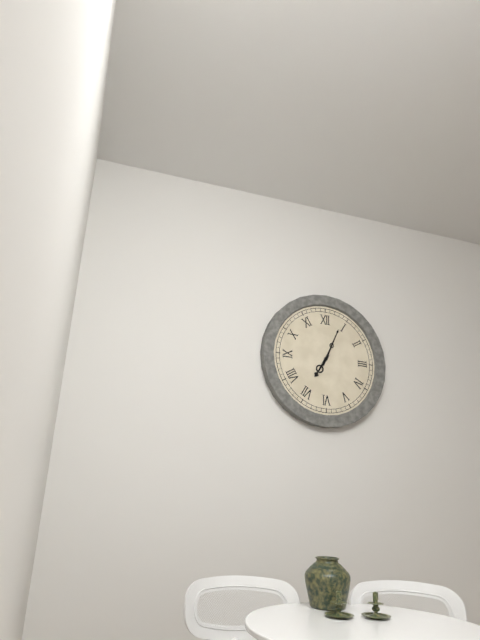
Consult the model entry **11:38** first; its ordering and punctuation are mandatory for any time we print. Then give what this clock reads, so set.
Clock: **7:04**
